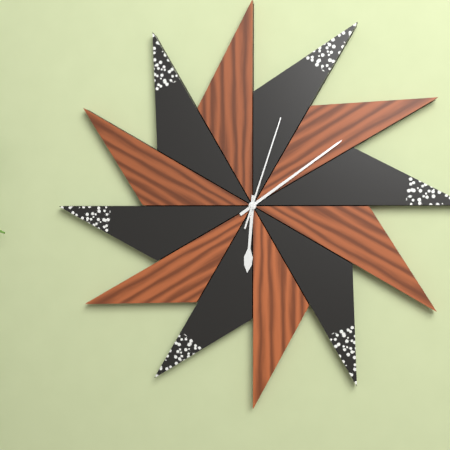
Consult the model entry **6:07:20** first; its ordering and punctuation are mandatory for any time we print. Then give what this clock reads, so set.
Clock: **6:09:03**
